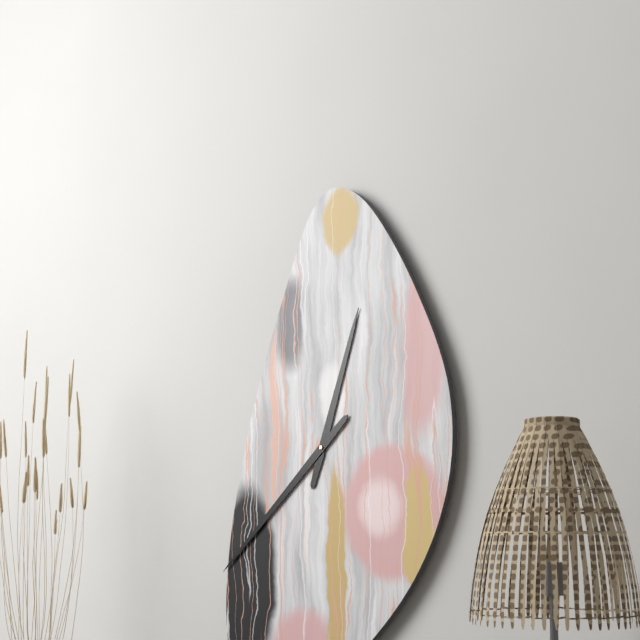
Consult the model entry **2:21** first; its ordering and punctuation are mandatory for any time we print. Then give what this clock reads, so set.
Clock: **12:38**
